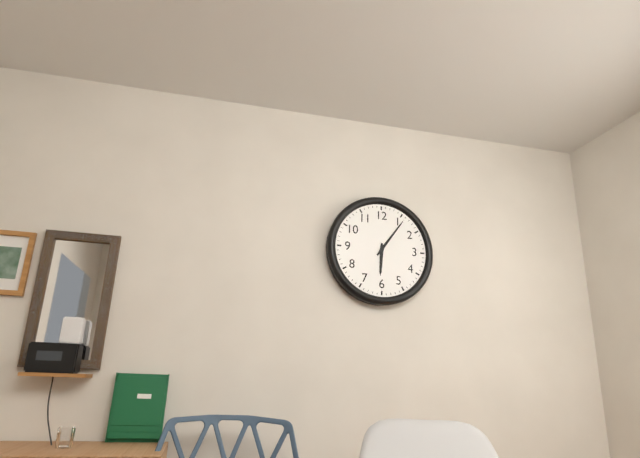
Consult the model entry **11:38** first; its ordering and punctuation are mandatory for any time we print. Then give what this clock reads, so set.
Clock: **6:06**
